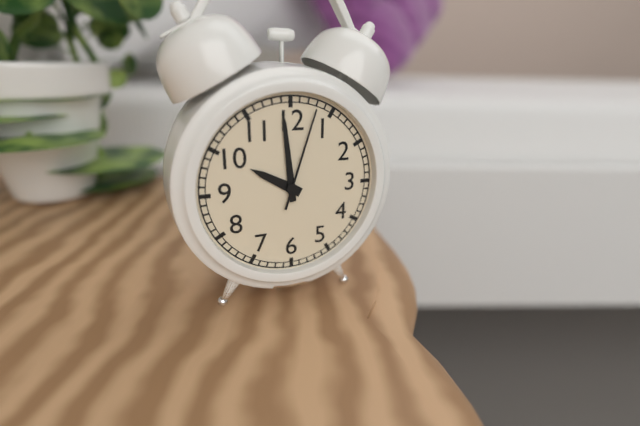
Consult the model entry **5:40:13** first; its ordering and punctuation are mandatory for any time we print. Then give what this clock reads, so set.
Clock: **9:59:03**
